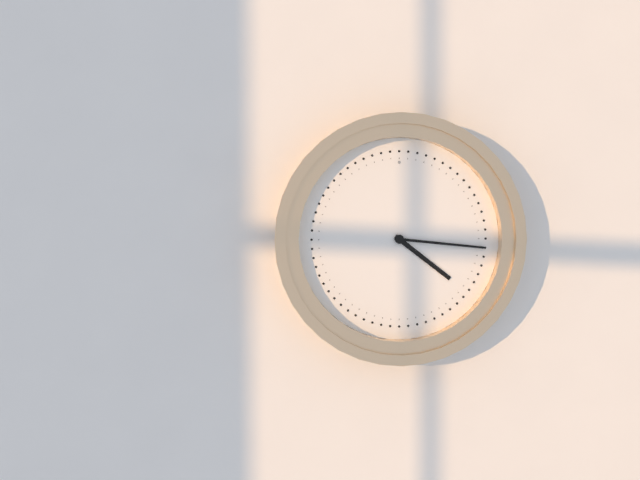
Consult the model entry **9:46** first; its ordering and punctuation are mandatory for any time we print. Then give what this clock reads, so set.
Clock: **4:16**
